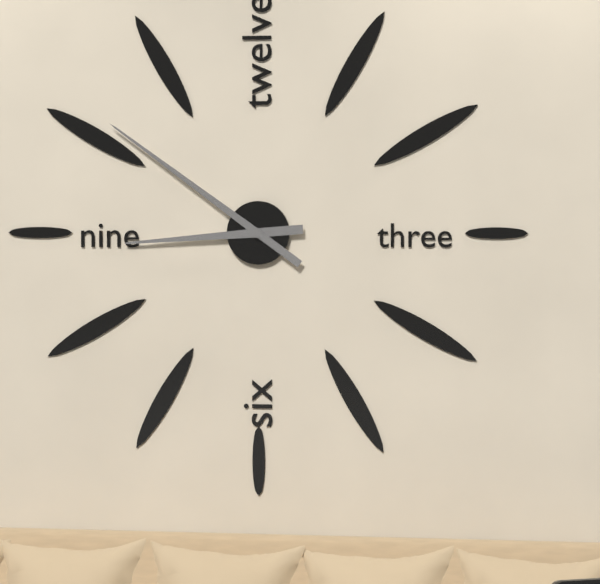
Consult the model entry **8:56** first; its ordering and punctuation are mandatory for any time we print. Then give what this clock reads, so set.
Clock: **8:51**
